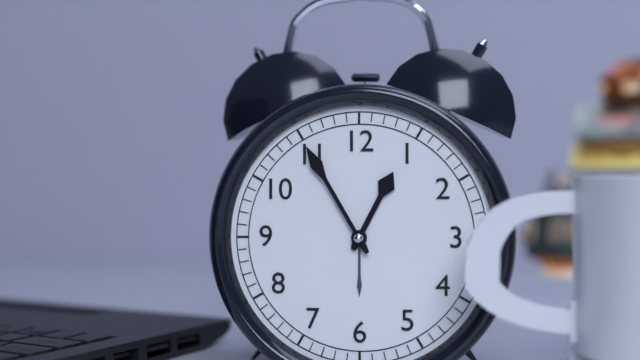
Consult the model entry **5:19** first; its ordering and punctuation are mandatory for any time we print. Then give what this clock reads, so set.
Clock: **12:55**
